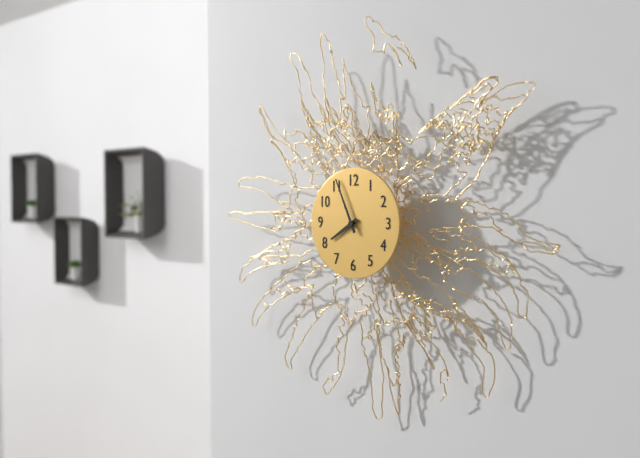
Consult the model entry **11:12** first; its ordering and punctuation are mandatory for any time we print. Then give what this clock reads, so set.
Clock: **7:56**
